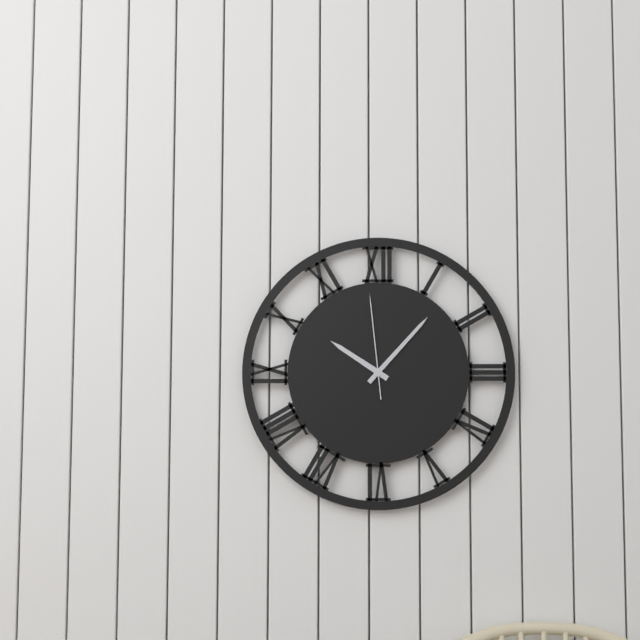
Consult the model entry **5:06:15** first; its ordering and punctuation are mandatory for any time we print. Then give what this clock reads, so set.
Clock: **10:07:59**
